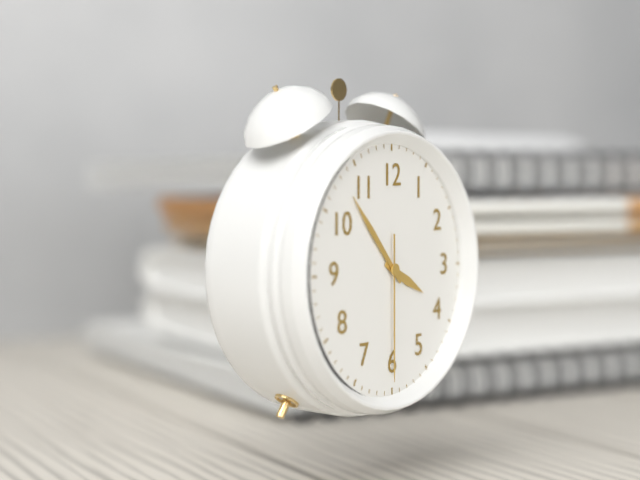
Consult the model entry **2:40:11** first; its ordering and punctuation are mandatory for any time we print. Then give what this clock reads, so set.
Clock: **3:53:30**
